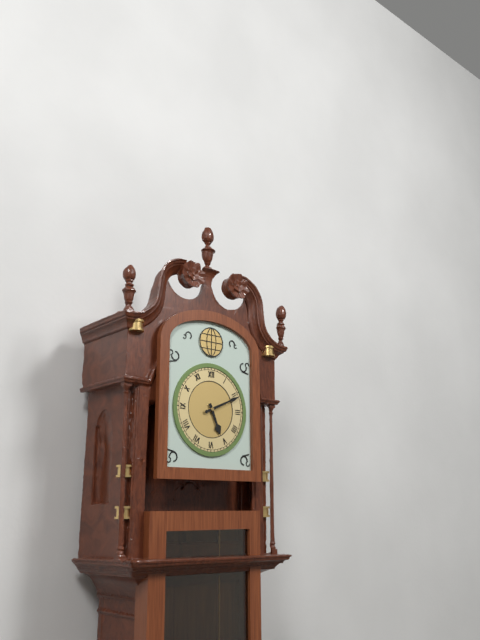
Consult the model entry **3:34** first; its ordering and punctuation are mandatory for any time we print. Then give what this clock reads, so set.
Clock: **5:11**
